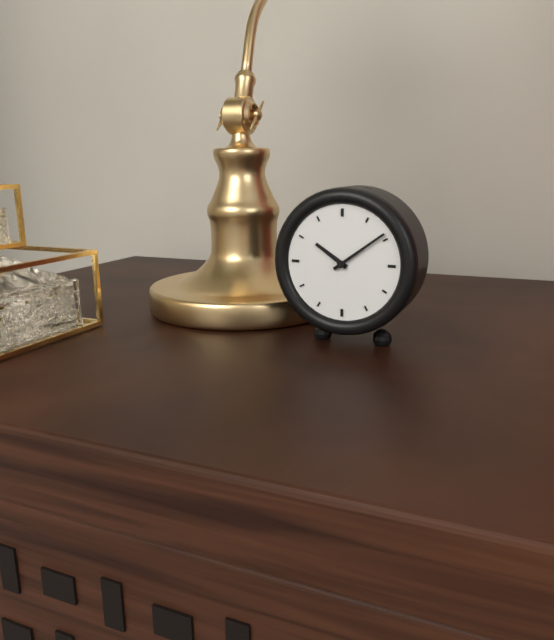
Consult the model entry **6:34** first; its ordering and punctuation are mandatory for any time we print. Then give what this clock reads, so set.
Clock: **10:09**
